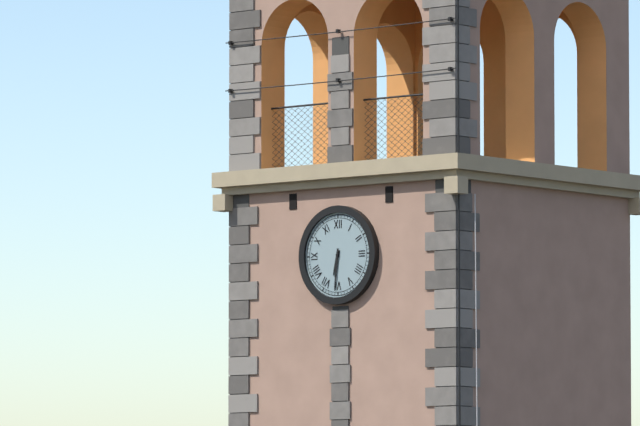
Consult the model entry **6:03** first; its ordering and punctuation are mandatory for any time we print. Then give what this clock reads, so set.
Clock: **6:31**
